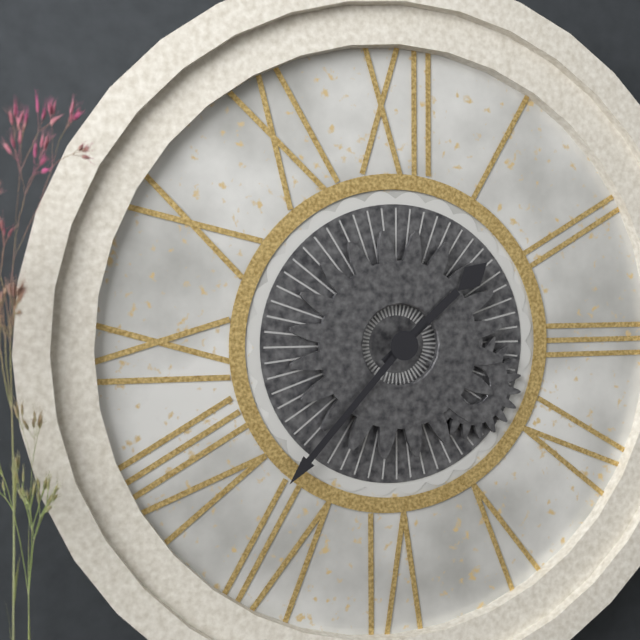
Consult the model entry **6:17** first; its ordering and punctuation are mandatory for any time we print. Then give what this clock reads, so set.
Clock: **1:37**
